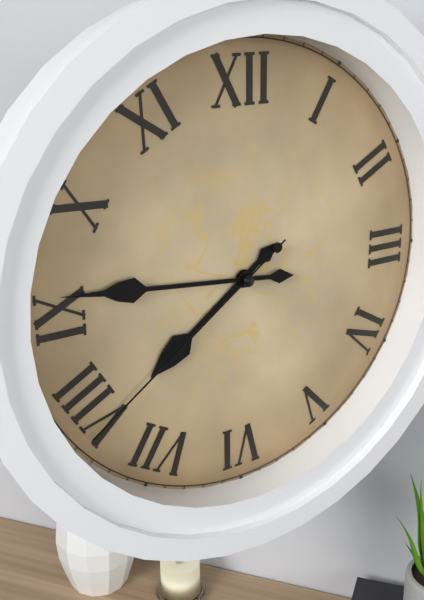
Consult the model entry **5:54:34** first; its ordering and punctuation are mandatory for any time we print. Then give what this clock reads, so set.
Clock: **7:46:39**
